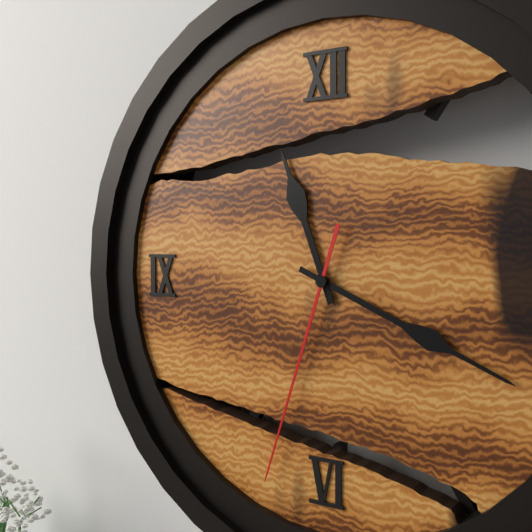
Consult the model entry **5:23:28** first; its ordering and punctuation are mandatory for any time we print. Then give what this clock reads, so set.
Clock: **11:19:33**
